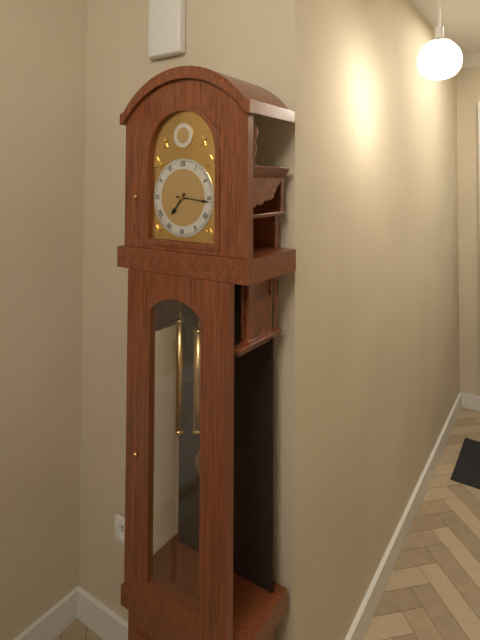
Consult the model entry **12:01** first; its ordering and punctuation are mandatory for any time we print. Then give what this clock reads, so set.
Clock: **7:16**
